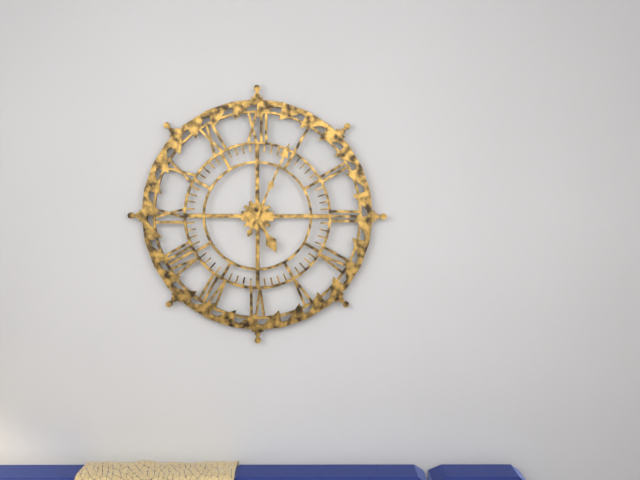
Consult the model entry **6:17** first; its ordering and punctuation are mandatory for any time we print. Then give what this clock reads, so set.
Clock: **5:04**
